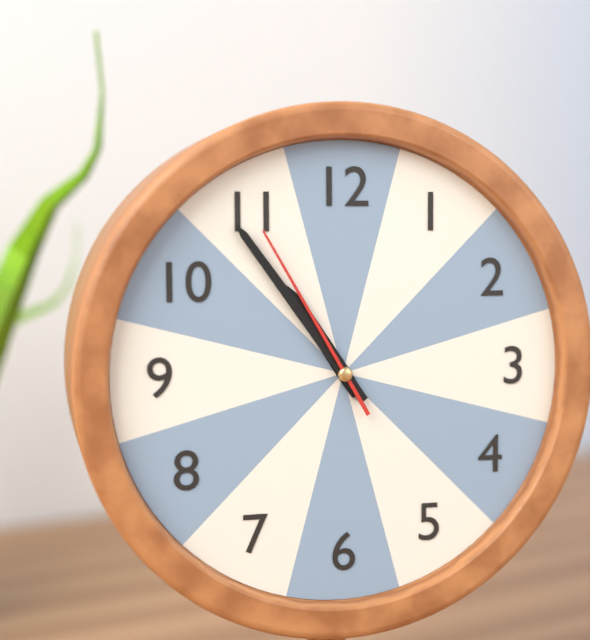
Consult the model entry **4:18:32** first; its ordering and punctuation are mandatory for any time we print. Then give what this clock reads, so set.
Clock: **10:54:55**
